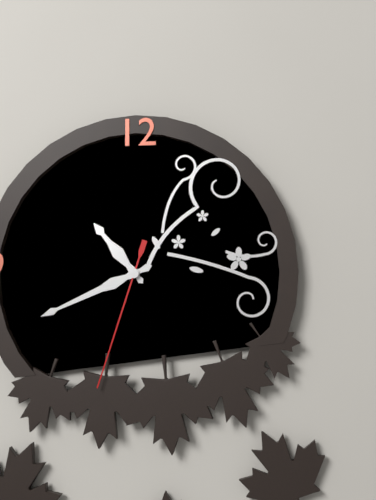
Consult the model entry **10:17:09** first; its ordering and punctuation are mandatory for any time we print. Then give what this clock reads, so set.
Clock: **10:41:33**
